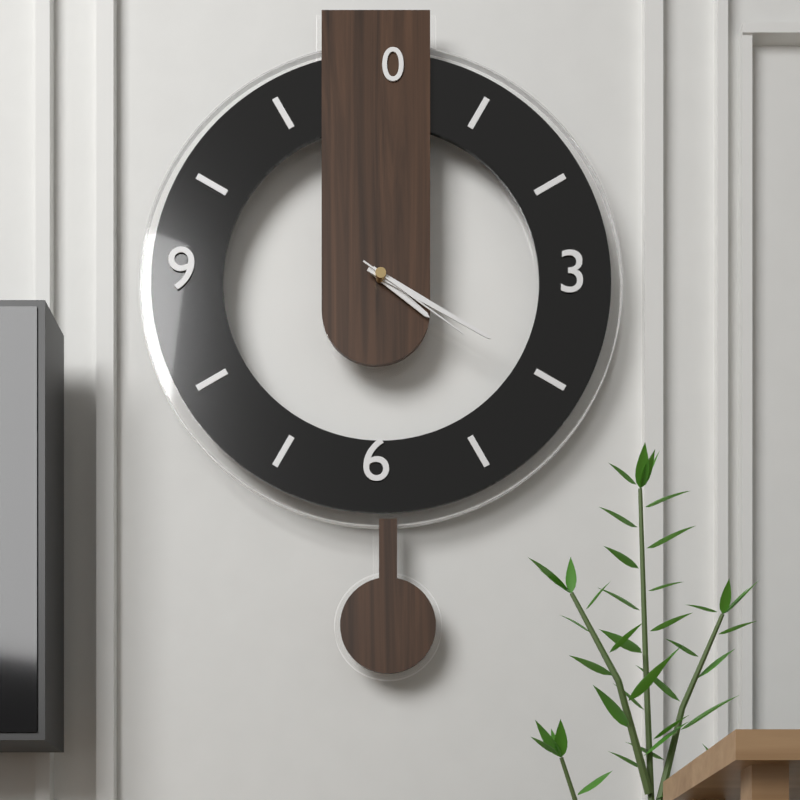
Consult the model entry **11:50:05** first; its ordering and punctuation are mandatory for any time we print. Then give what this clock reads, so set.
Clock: **4:20:21**
